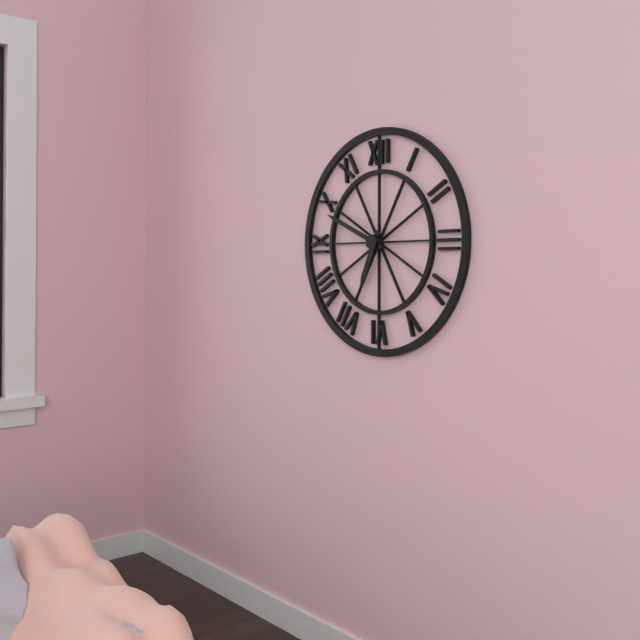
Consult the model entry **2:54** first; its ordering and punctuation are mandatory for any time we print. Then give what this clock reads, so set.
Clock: **6:49**
